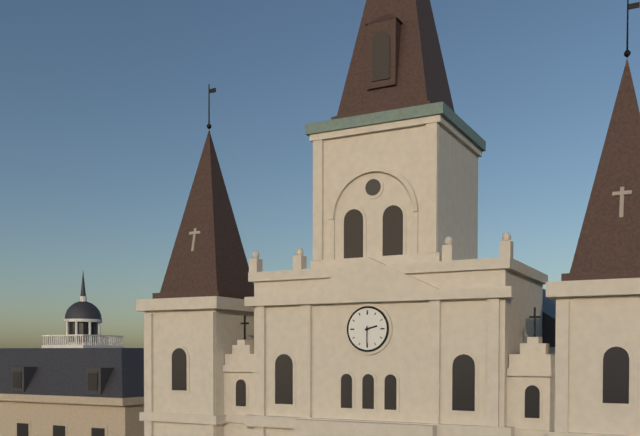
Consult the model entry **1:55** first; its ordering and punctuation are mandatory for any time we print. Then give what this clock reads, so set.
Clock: **2:30**
